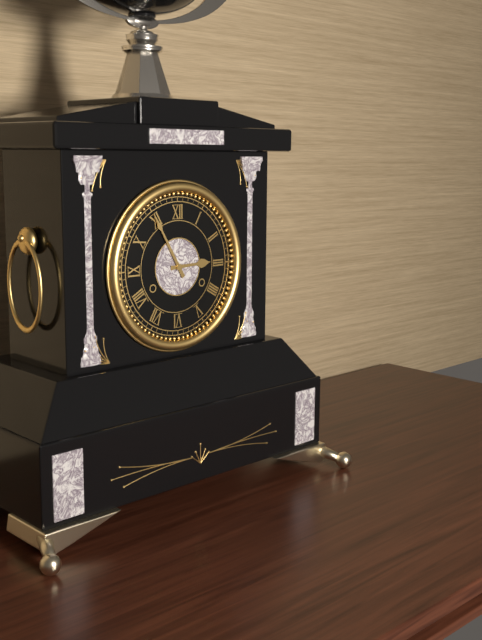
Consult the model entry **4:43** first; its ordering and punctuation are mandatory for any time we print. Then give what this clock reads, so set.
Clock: **2:55**
